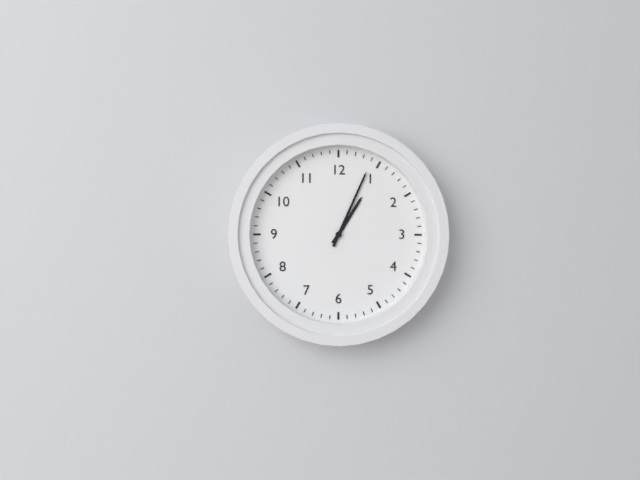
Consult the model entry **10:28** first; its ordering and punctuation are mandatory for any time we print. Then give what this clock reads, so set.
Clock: **1:04**
